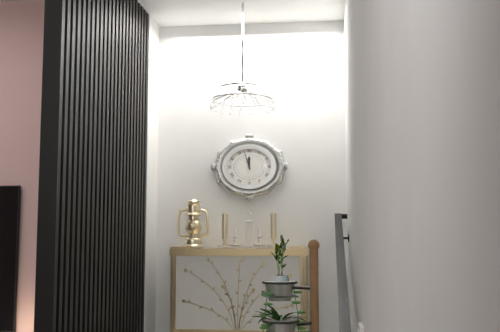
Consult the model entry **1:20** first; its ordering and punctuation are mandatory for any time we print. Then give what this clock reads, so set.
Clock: **11:57**
